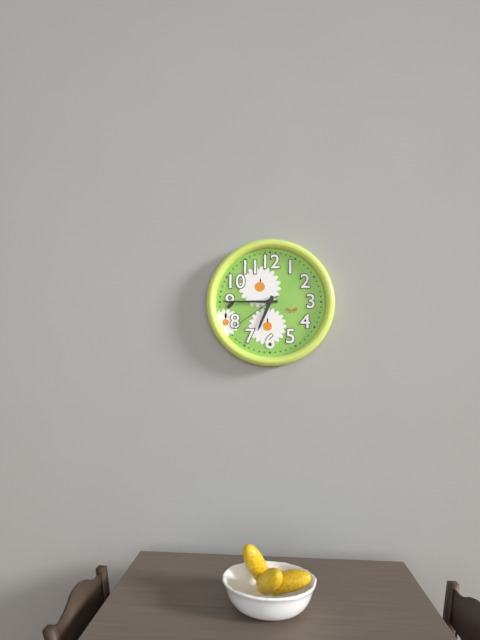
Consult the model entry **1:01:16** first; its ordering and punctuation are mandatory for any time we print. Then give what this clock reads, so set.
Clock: **6:45:39**
